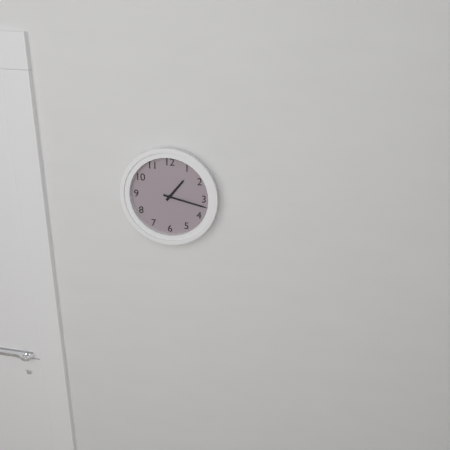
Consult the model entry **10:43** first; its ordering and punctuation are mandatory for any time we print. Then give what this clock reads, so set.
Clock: **1:17**
